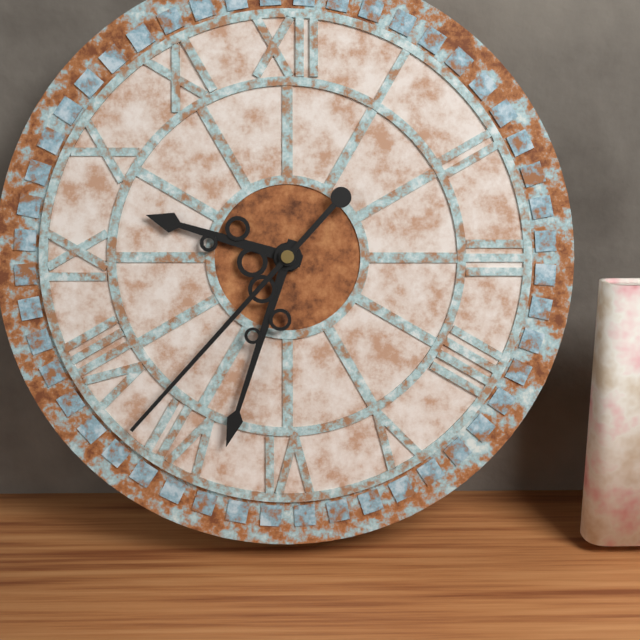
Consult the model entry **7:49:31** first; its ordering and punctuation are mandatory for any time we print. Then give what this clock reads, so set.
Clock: **9:33:37**
